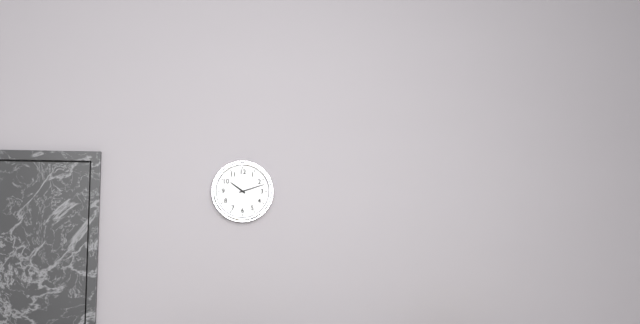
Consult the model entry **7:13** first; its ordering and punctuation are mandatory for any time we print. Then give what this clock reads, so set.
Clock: **10:12**
